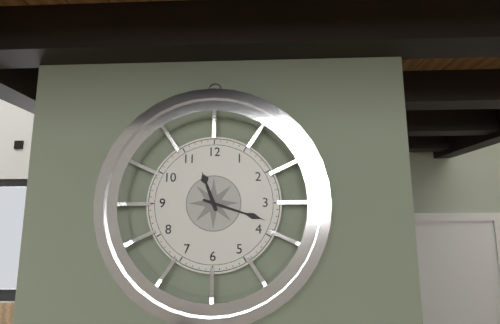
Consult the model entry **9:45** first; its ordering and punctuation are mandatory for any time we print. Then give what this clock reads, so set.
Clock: **11:18**
